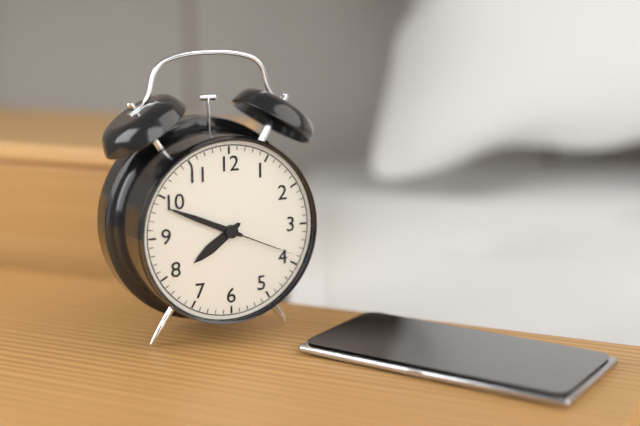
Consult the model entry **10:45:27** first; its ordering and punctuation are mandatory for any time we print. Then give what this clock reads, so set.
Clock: **7:49:19**
